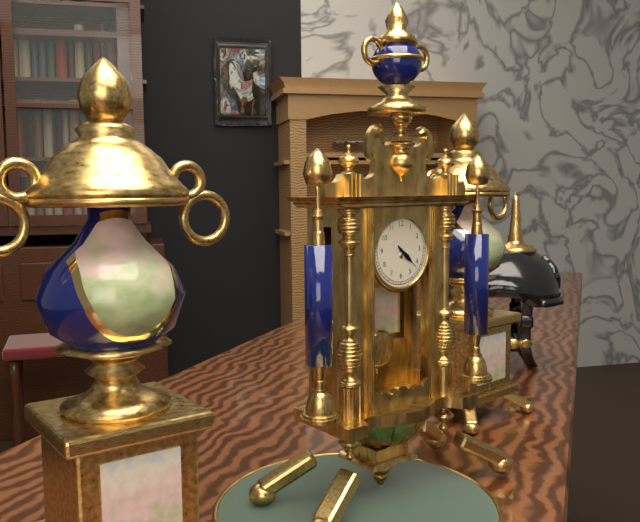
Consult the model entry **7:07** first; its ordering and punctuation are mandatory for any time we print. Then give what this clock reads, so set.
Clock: **4:22**
